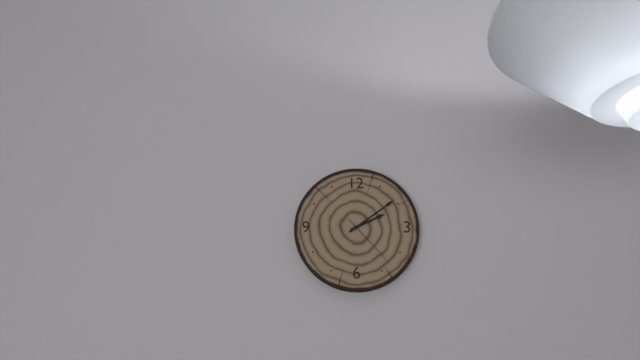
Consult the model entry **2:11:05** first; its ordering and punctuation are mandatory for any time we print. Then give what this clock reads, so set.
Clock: **2:09:23**
